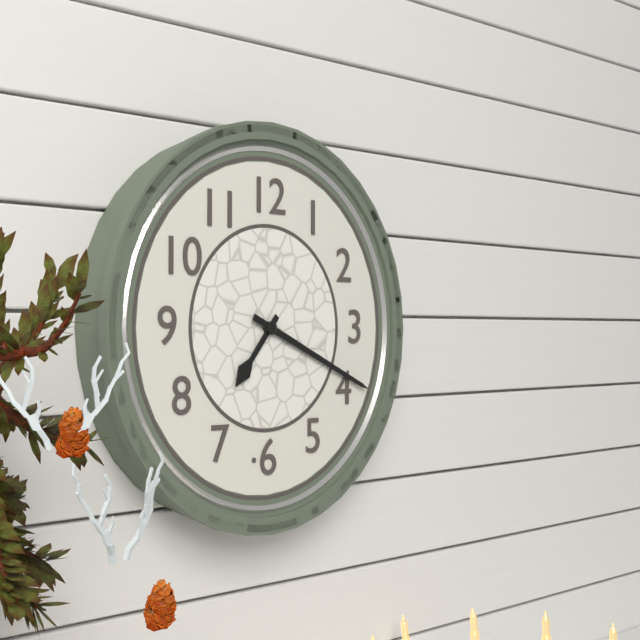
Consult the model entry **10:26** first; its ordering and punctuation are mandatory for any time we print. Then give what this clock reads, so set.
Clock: **7:19**
